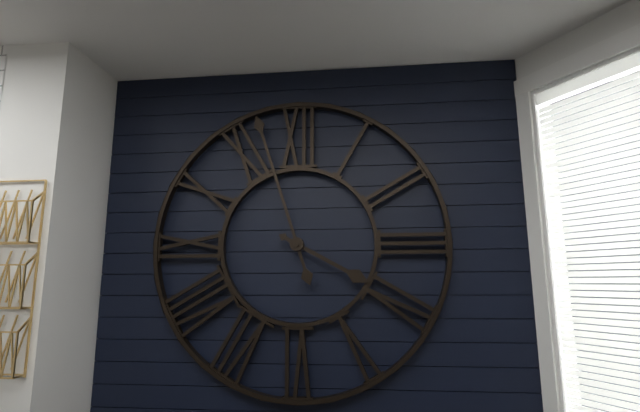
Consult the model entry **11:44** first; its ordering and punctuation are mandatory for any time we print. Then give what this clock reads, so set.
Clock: **3:57**
